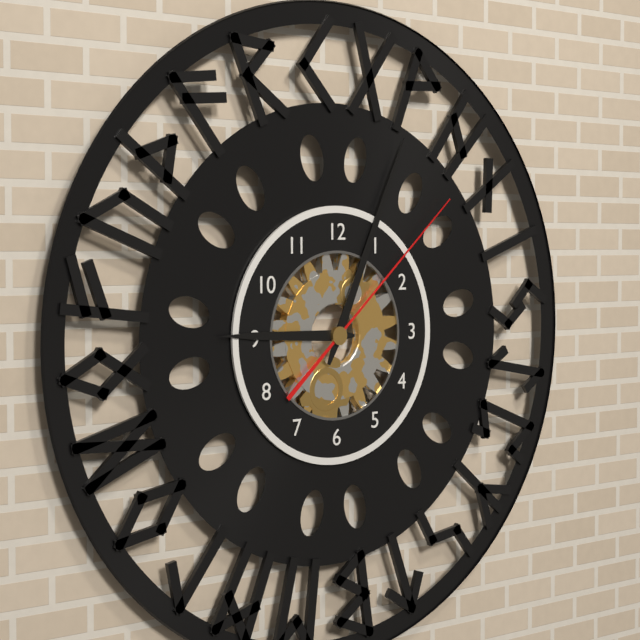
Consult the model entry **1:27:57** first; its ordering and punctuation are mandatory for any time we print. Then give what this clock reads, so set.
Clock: **9:04:08**
